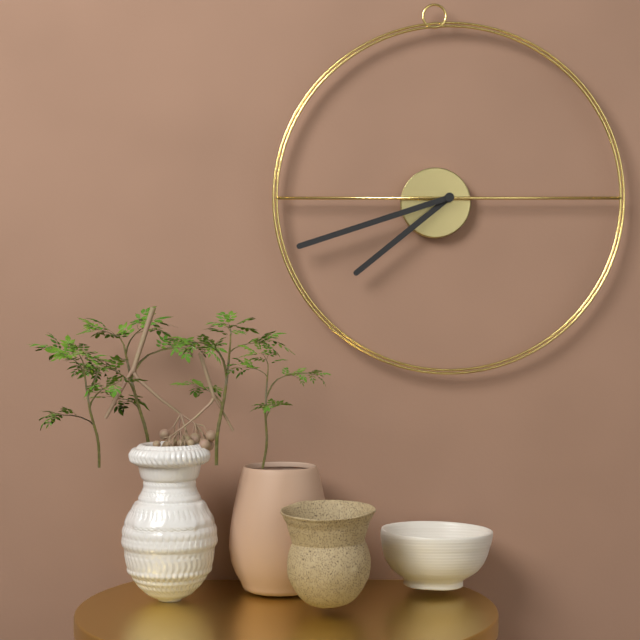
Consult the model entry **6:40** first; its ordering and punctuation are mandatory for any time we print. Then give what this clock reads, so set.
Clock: **7:42**
